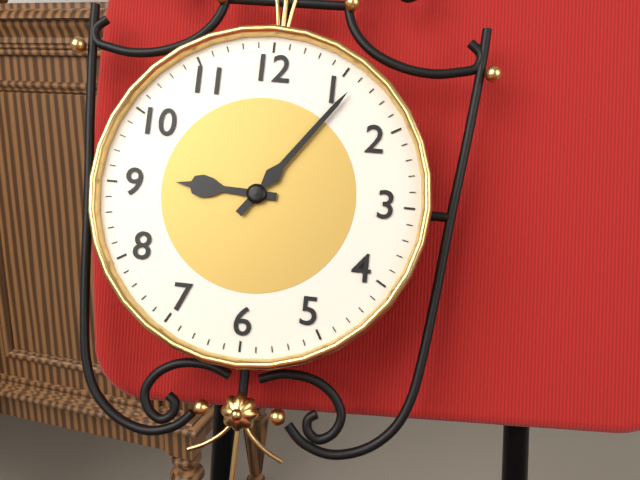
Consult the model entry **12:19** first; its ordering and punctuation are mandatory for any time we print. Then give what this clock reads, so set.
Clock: **9:06**
